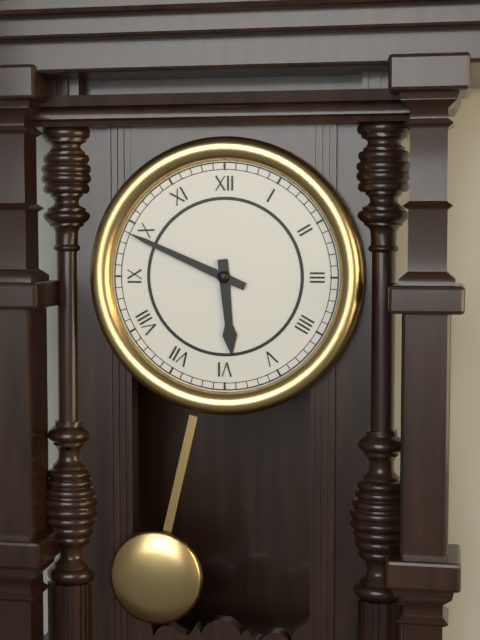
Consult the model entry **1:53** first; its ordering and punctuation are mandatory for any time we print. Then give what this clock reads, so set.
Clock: **5:49**
